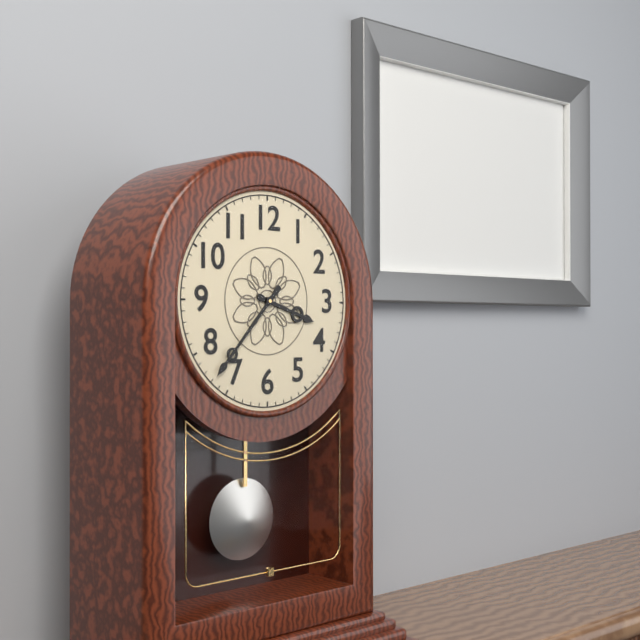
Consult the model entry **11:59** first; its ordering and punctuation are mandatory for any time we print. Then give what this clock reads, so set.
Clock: **3:37**
